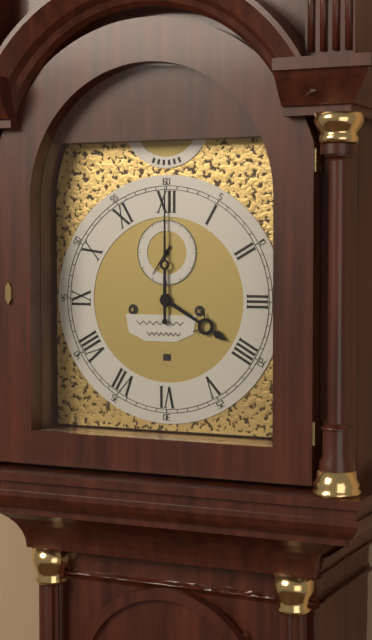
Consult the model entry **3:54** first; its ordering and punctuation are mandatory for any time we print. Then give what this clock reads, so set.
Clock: **4:00**
